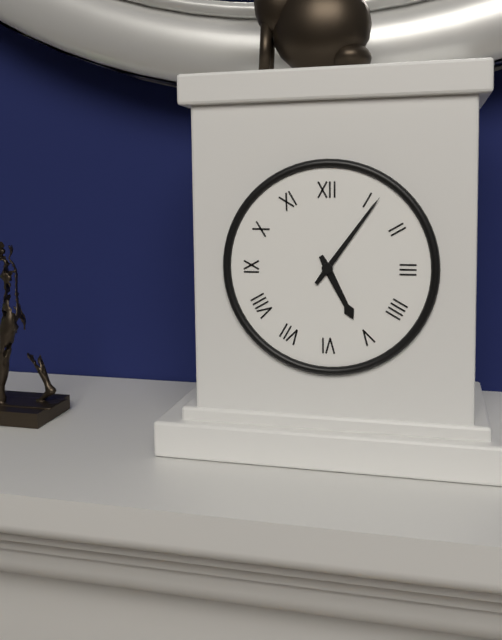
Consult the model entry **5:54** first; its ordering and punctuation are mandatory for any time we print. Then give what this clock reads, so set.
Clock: **5:06**
